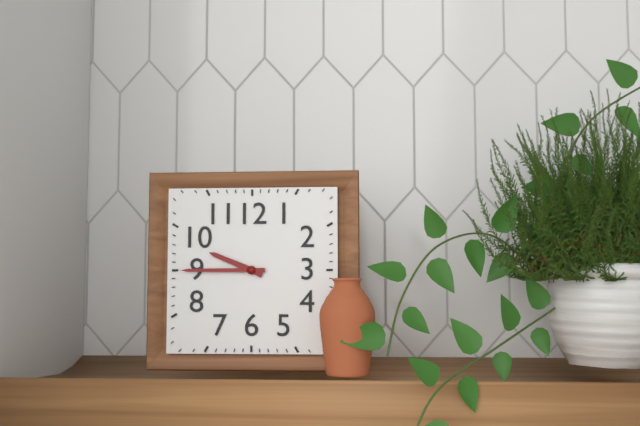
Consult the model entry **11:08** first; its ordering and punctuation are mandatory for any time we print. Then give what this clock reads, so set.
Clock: **9:45**
